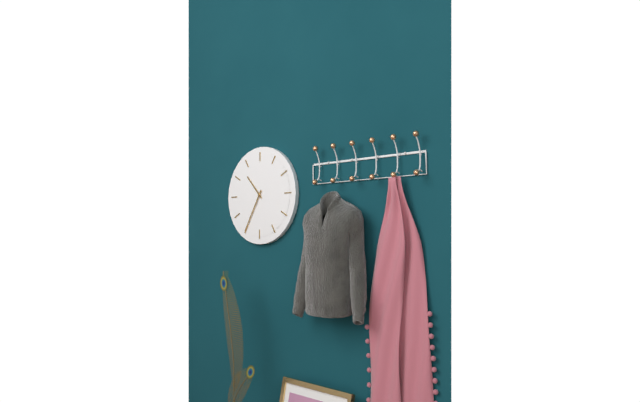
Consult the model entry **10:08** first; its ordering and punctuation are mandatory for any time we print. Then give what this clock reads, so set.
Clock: **10:35**
